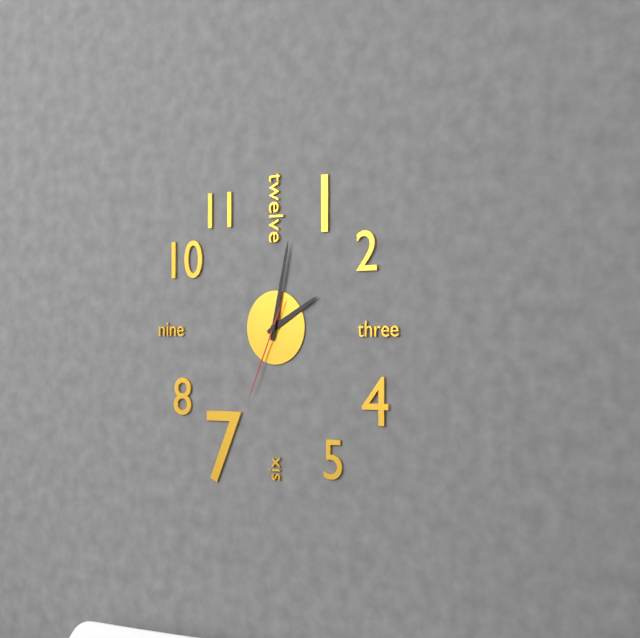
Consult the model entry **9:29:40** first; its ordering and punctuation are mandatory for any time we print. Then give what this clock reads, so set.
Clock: **2:02:34**
